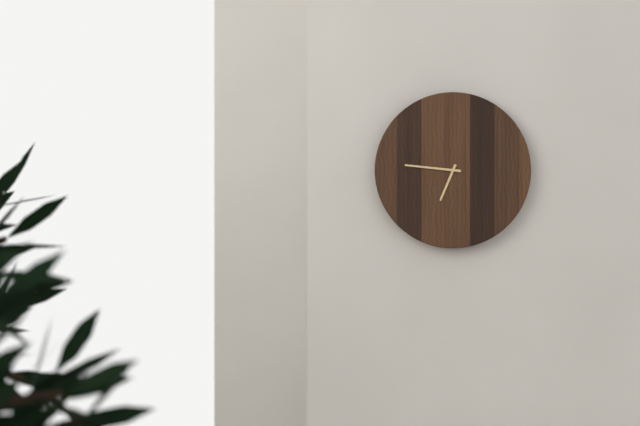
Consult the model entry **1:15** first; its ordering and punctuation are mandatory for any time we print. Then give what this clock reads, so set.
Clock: **6:46**
